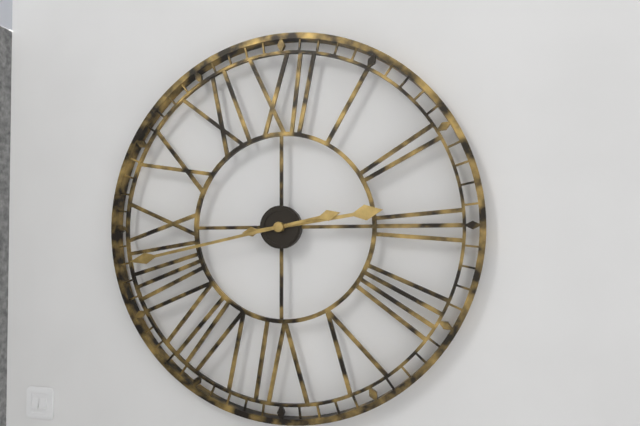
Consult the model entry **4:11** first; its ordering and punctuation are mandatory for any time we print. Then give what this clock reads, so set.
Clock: **2:43**
